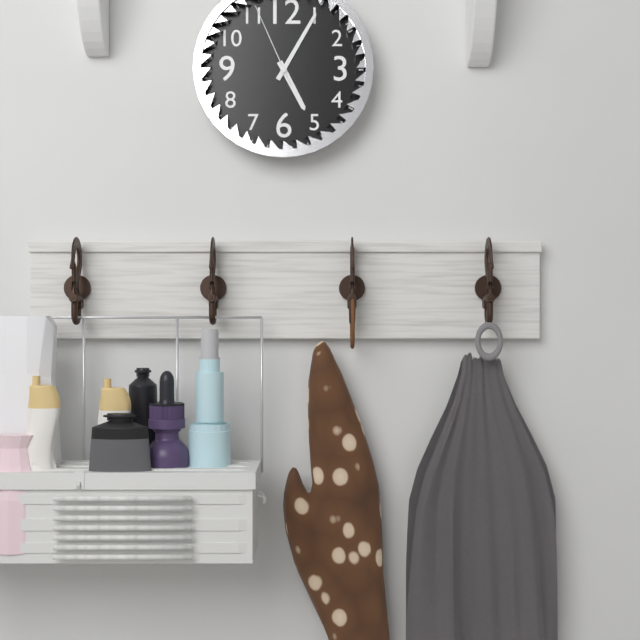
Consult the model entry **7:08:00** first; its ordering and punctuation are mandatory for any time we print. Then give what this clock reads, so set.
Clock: **5:05:56**
